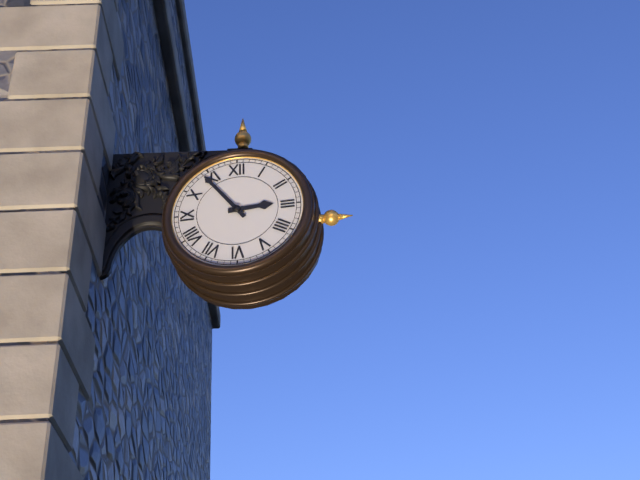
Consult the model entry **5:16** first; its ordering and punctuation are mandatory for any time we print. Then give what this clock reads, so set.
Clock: **2:54**
